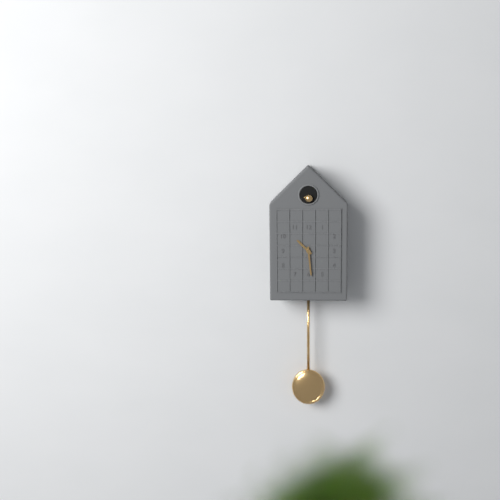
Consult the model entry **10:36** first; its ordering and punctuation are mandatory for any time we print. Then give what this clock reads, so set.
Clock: **10:29**
